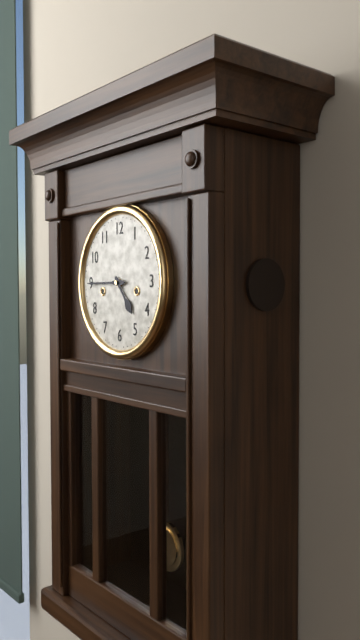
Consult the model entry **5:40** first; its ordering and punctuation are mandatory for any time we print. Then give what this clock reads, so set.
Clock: **4:45**
